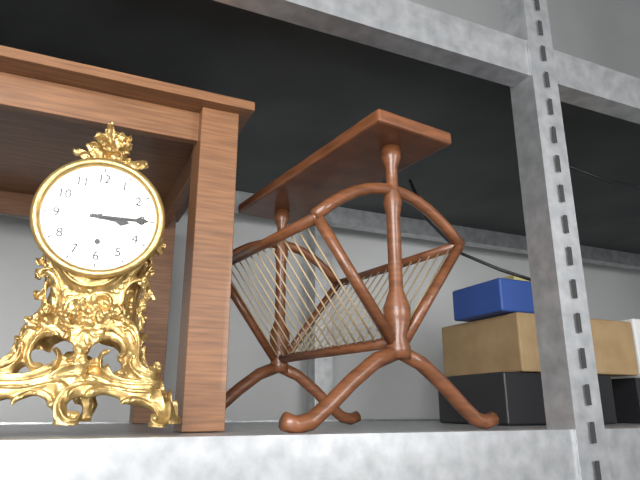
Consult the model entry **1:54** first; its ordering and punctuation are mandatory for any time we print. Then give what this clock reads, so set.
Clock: **3:15**
